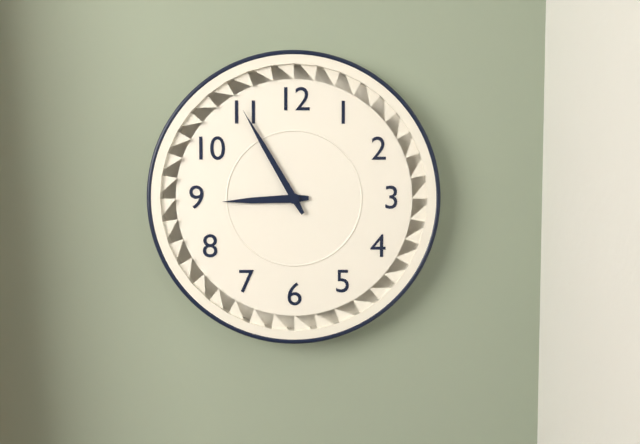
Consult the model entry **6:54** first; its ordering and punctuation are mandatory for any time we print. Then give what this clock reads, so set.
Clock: **8:55**
